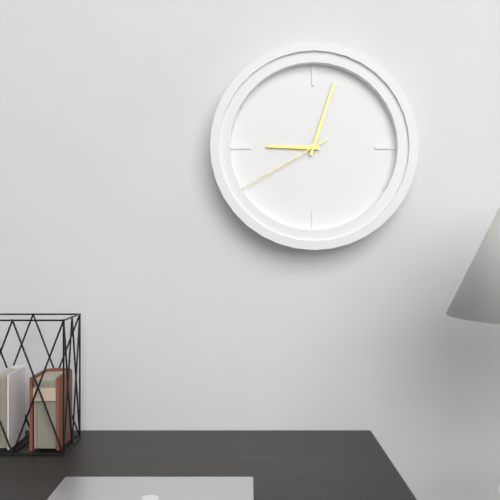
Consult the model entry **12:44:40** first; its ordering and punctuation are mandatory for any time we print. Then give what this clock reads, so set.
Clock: **9:03:40**
